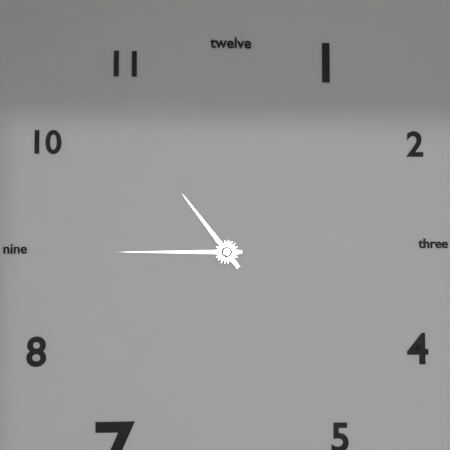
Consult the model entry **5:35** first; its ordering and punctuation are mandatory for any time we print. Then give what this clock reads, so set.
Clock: **10:45**
